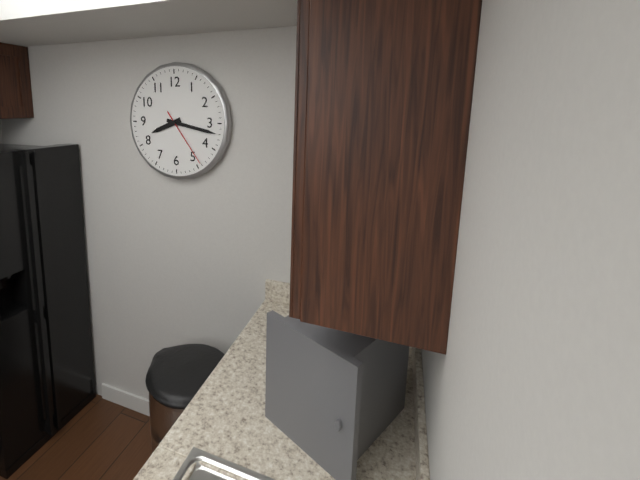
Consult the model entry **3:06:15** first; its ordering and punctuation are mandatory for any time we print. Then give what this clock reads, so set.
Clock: **8:17:24**
